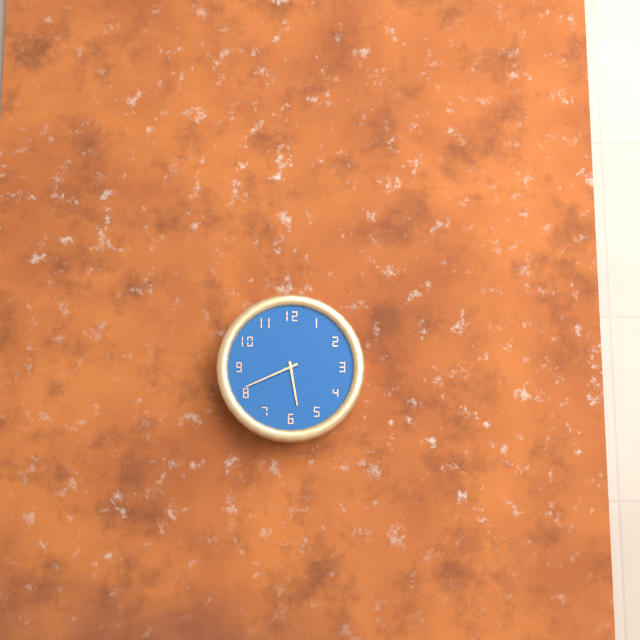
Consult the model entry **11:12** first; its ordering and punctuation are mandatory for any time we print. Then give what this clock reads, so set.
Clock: **5:41**
